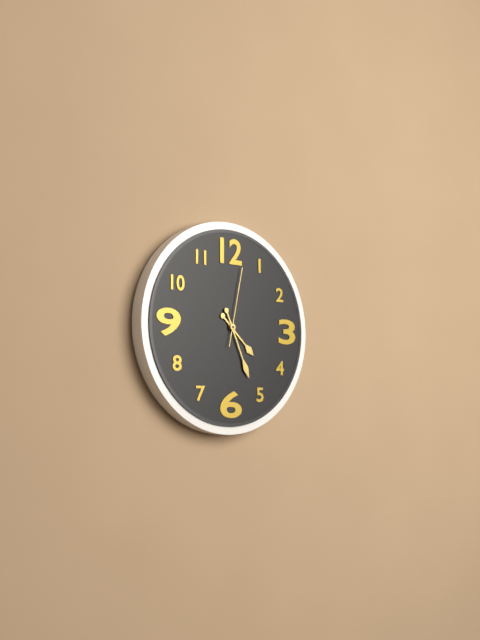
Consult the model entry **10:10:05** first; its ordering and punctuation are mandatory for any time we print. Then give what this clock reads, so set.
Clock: **4:26:02**
